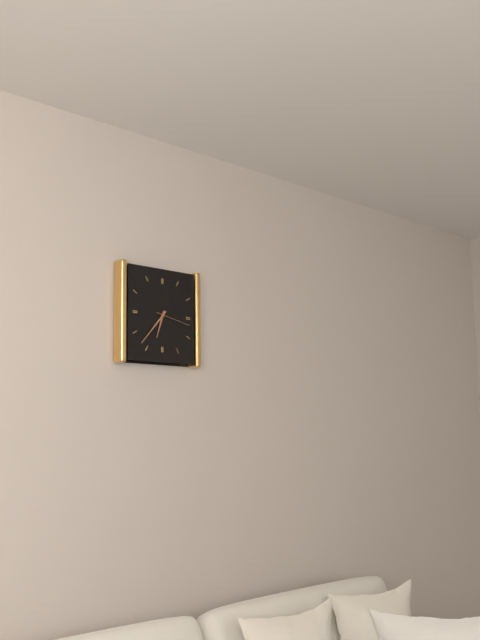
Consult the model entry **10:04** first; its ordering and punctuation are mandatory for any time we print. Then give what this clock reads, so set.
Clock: **6:37**
